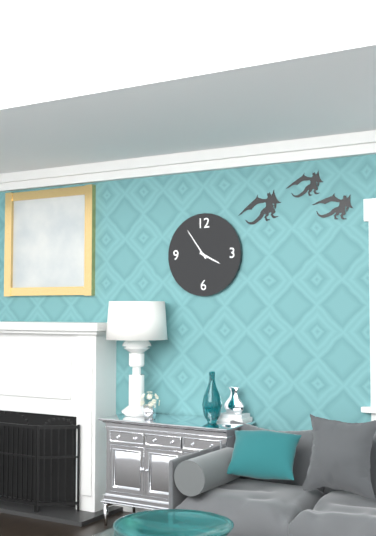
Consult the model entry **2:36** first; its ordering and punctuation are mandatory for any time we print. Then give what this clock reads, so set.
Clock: **3:54**
